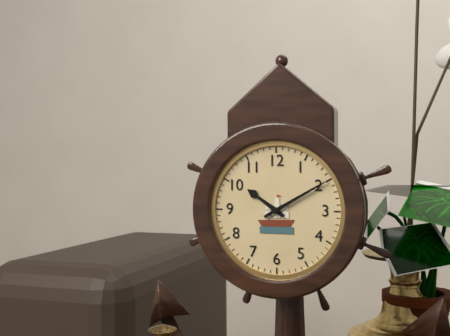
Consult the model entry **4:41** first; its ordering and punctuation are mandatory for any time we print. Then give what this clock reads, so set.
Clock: **10:10**
